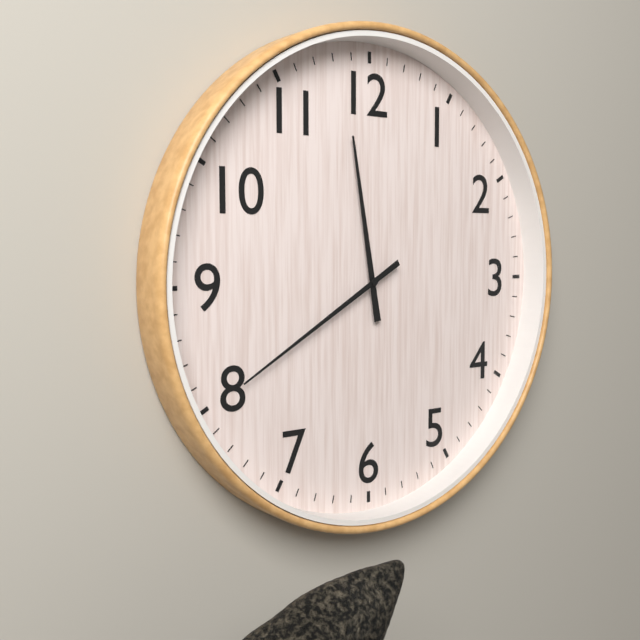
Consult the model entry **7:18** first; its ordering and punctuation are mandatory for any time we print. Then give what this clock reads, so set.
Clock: **11:40**
